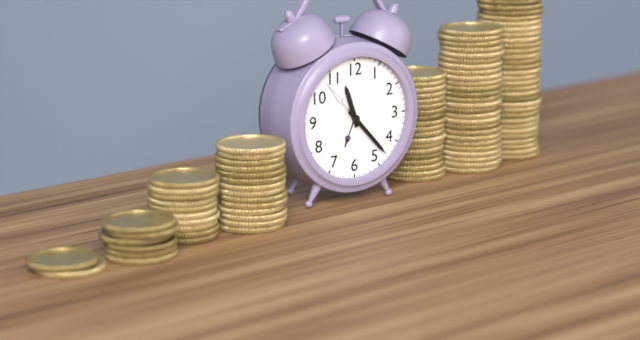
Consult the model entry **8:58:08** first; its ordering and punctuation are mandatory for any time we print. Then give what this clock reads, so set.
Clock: **11:23:23**
